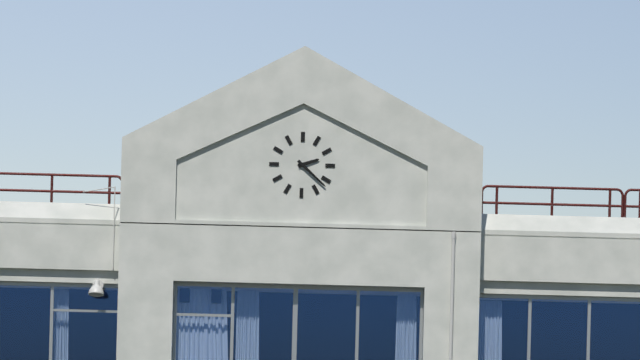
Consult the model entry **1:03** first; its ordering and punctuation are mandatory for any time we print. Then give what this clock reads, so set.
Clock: **2:22**
